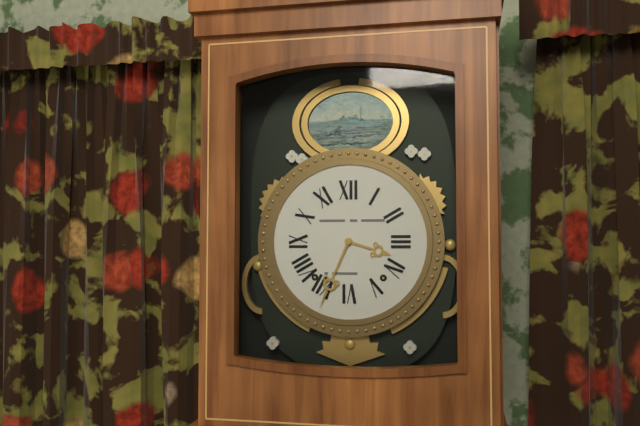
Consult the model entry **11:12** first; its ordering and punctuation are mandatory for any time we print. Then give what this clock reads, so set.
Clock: **3:34**
